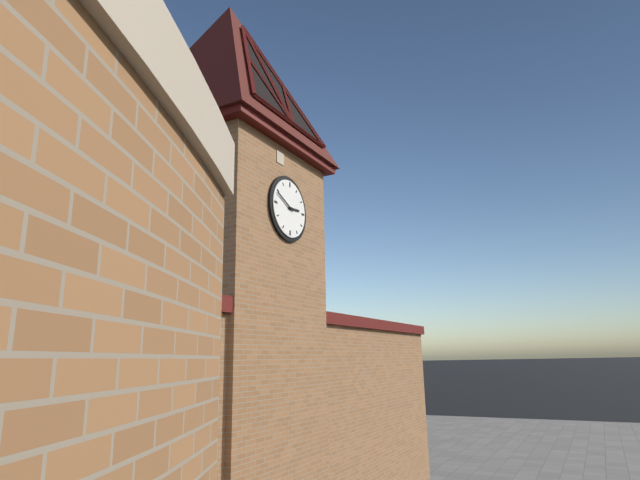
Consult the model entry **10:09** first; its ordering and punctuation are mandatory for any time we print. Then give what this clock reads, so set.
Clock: **2:49**
